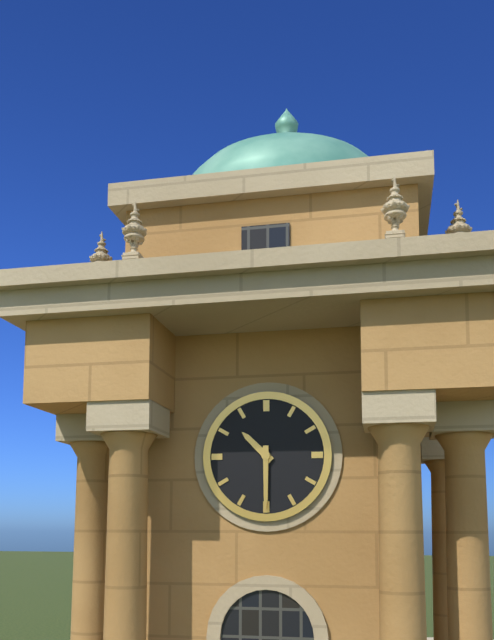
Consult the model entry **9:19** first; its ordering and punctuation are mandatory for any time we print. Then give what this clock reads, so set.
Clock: **10:30**
